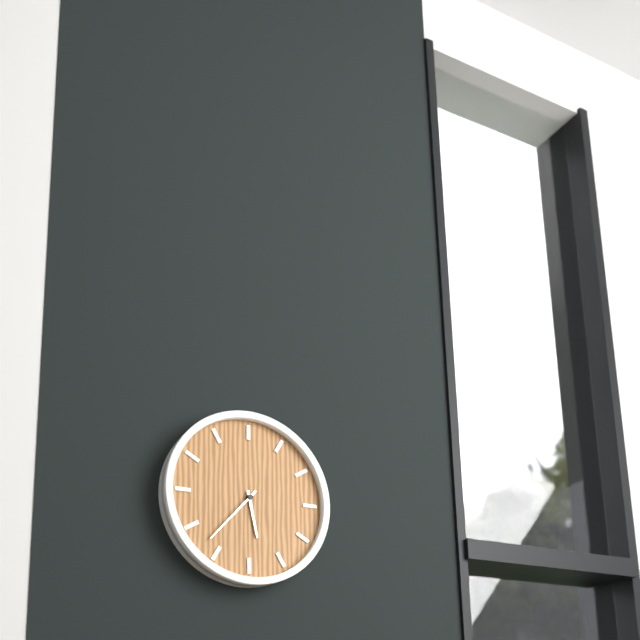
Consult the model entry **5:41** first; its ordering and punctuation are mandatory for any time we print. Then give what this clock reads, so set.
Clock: **5:37**
